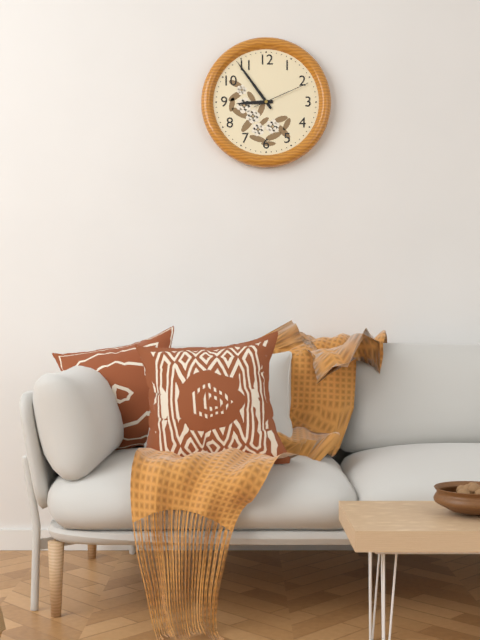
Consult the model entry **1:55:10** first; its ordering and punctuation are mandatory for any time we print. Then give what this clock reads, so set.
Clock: **8:54:11**
